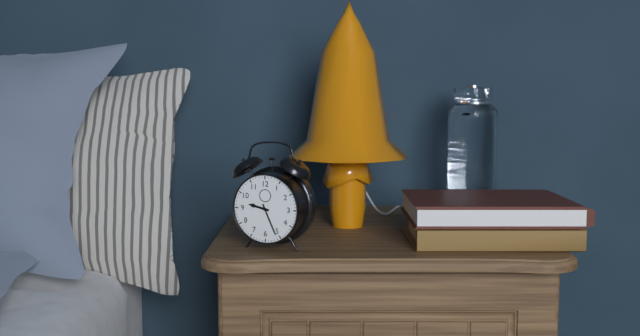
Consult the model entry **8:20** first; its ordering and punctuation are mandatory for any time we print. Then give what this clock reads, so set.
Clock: **9:26**
